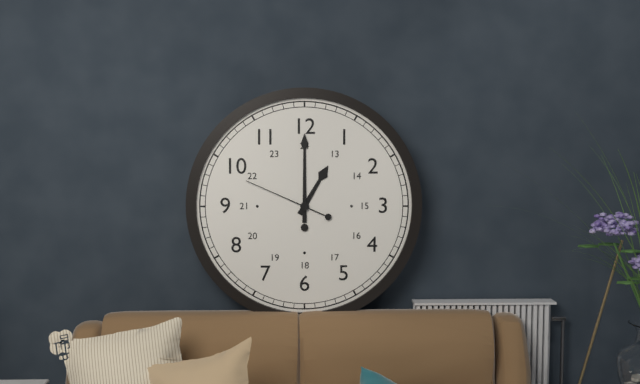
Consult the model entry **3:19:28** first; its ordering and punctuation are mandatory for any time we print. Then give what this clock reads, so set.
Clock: **1:00:49**
